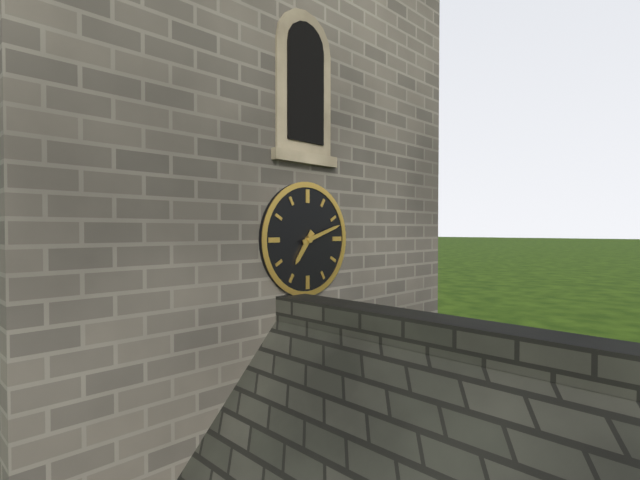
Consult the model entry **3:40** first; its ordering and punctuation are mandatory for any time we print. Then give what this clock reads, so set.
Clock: **7:12**
